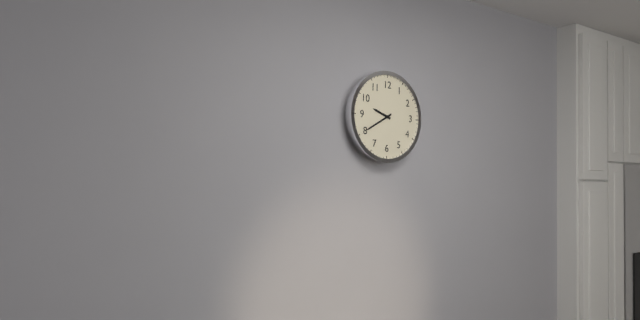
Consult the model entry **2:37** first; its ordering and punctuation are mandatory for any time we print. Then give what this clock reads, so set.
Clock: **9:40**
